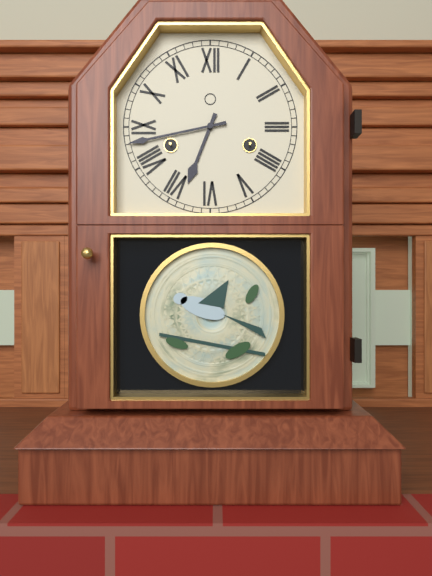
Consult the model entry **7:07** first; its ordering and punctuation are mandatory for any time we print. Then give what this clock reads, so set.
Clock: **6:43**
